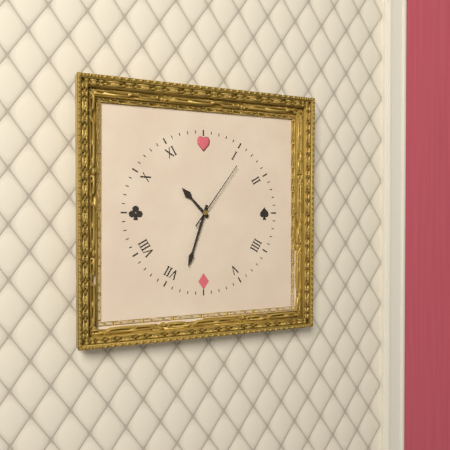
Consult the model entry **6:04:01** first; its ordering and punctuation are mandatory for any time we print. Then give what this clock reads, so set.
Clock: **10:33:06**
